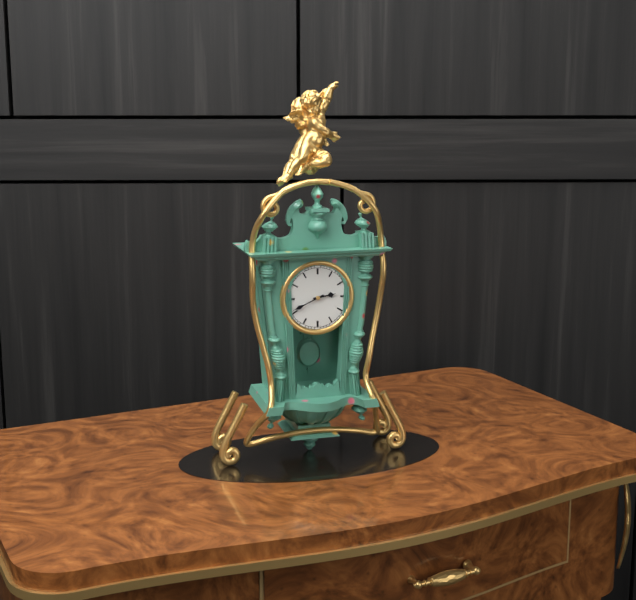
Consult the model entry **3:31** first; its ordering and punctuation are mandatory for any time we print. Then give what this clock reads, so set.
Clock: **2:41**
